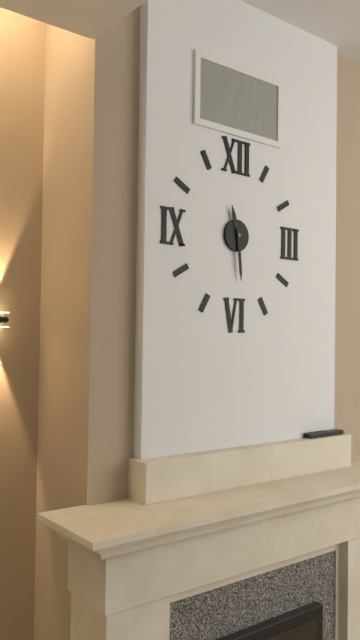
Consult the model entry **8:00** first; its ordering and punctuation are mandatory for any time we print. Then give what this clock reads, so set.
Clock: **11:29**
